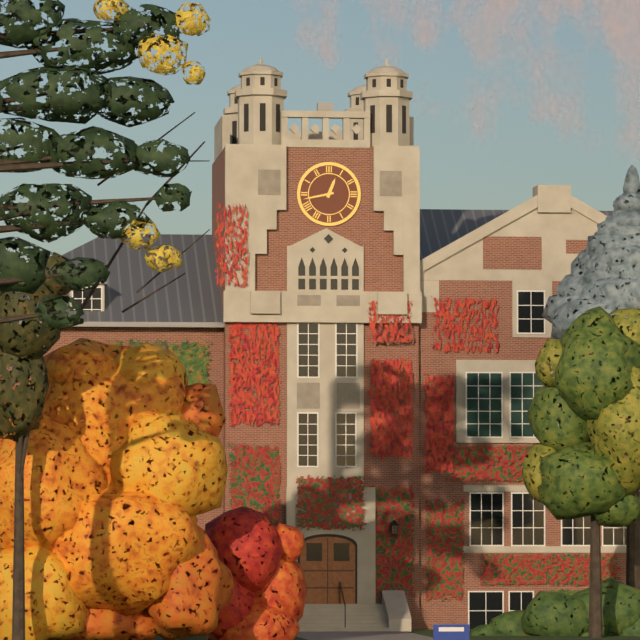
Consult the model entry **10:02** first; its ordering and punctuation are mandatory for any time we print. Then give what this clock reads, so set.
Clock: **12:43**
